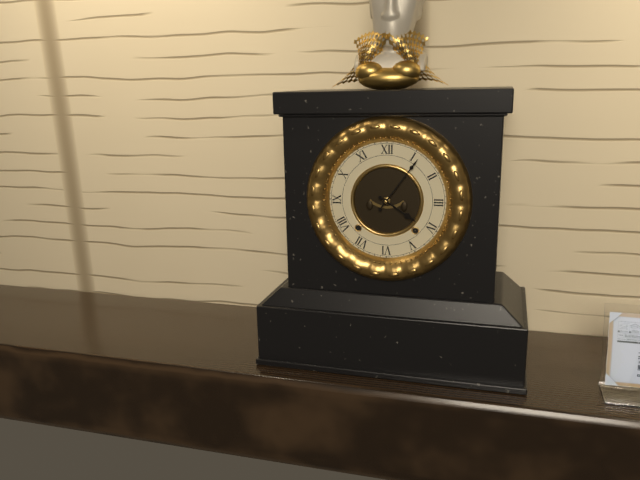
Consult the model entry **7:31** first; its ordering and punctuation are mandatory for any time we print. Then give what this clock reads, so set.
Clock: **4:06**
